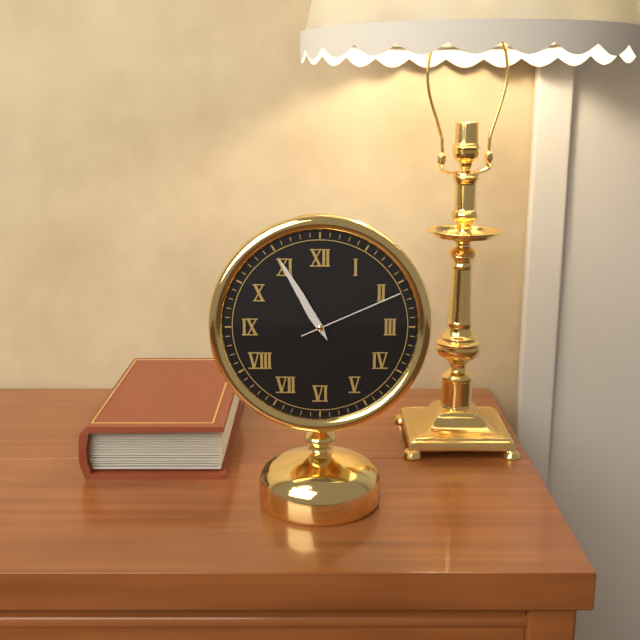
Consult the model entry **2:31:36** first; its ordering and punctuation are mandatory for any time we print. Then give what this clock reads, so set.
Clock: **10:55:11**
